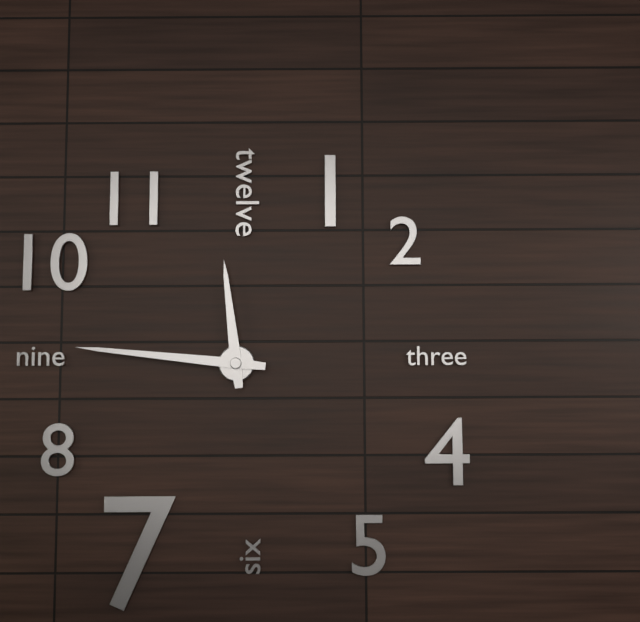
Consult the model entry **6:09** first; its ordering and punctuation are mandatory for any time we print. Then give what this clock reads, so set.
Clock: **11:46**
